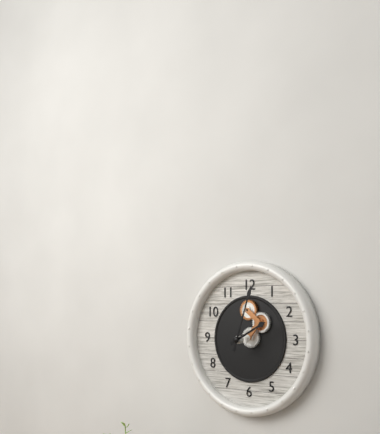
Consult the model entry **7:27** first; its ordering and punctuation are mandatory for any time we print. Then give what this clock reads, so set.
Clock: **2:03**
